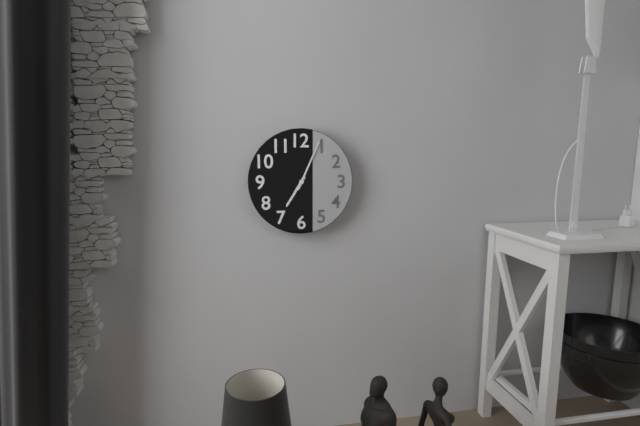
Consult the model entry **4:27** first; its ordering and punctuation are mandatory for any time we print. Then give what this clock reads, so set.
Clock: **7:04**
